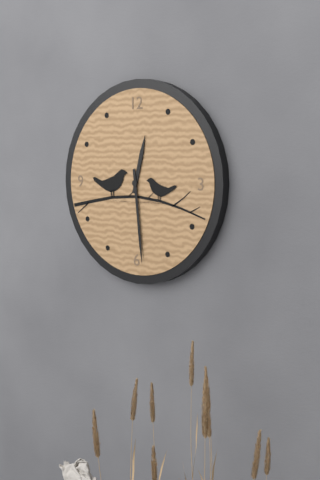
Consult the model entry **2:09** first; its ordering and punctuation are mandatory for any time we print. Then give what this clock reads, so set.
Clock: **12:29**
